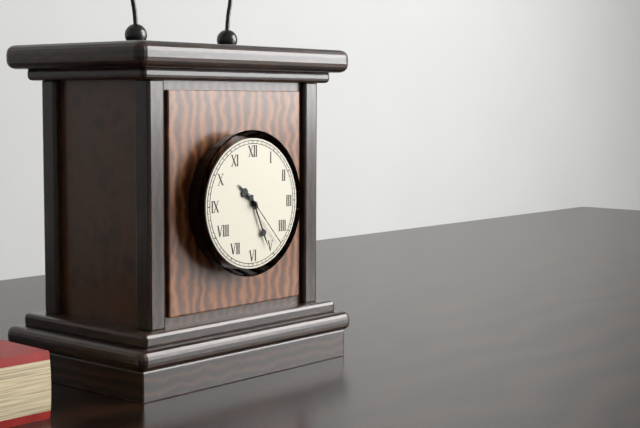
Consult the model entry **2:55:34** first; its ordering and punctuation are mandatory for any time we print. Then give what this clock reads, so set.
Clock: **10:26:23**
